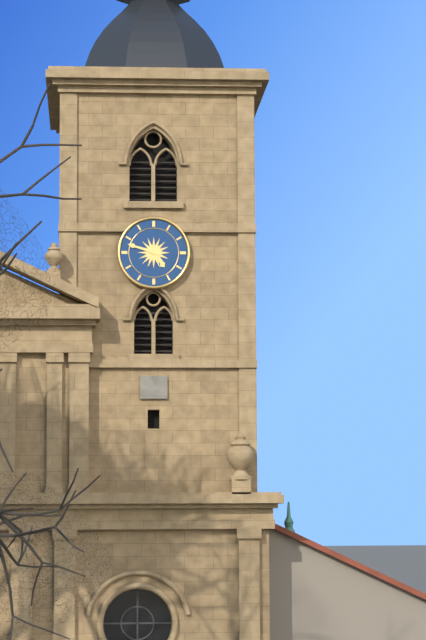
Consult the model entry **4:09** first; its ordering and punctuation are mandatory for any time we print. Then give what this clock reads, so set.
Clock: **4:48**
